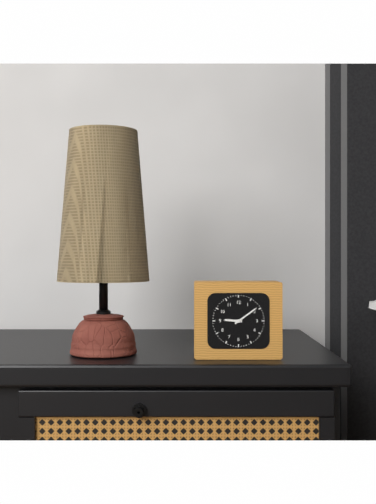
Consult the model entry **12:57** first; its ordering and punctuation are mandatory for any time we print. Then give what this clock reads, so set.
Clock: **9:09**
